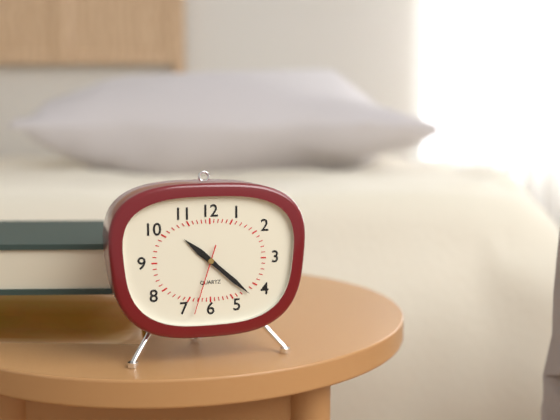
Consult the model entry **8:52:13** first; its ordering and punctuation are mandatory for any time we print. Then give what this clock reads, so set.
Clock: **10:22:33**
